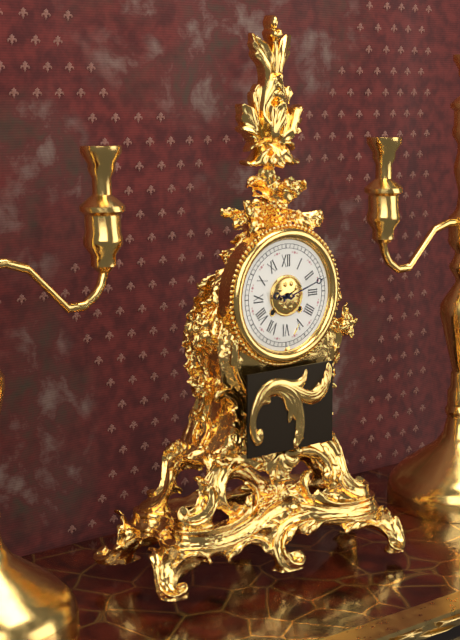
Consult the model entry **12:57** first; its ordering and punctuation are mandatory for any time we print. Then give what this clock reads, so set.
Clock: **9:12**
